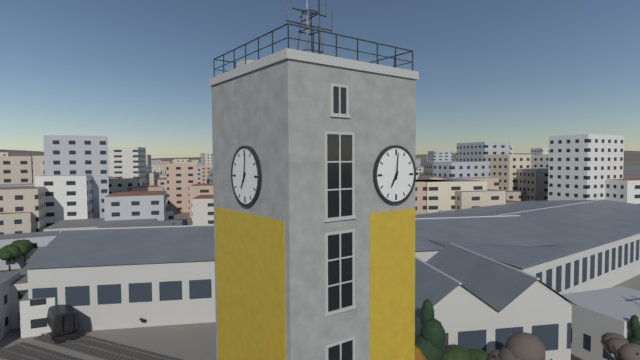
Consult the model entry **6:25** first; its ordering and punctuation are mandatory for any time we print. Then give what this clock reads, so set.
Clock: **7:01**
